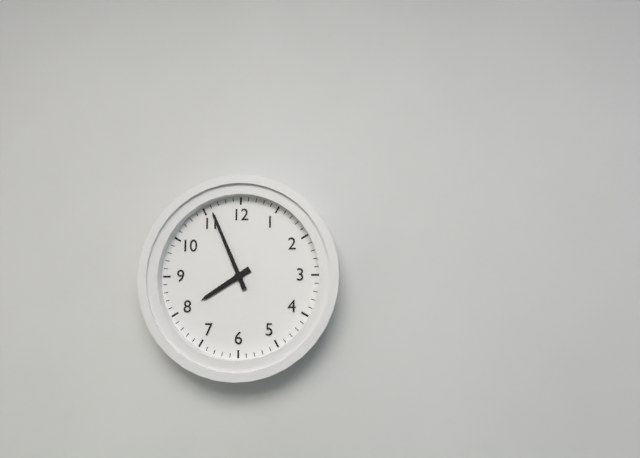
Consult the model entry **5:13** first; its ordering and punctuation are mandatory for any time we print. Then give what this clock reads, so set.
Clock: **7:56**
